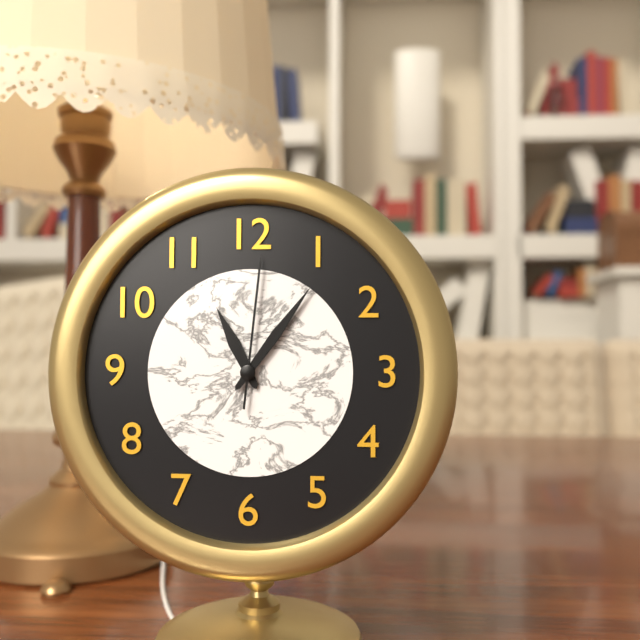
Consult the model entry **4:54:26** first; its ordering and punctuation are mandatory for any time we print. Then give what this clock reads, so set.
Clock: **11:06:01**
